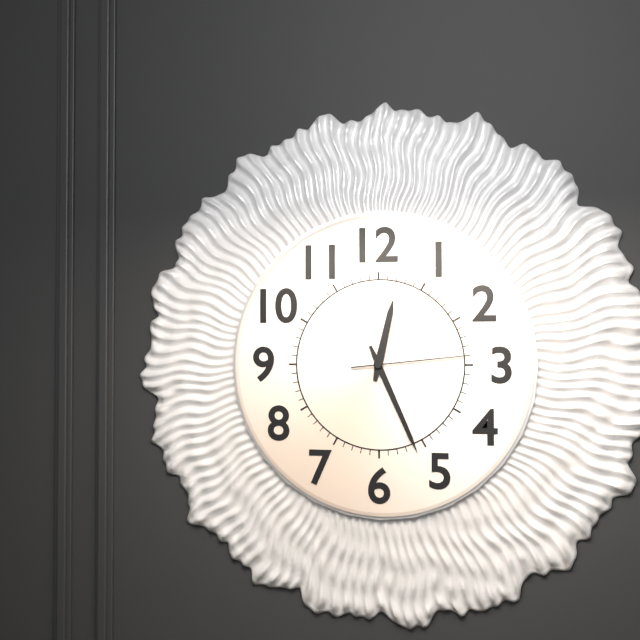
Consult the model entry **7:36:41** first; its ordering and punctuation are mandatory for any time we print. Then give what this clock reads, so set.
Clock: **12:26:14**
